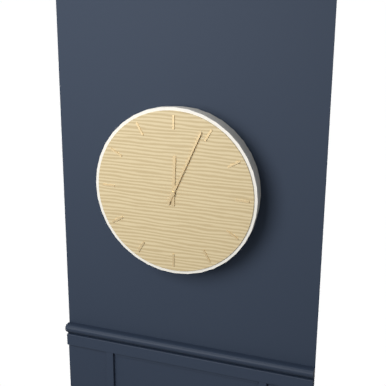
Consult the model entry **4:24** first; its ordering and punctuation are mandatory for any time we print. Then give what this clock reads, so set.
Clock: **12:04**
